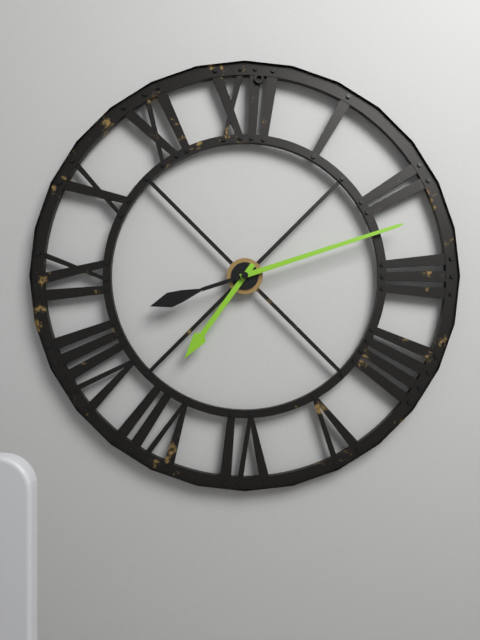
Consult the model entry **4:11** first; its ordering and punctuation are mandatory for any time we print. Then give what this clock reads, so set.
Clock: **7:12**
